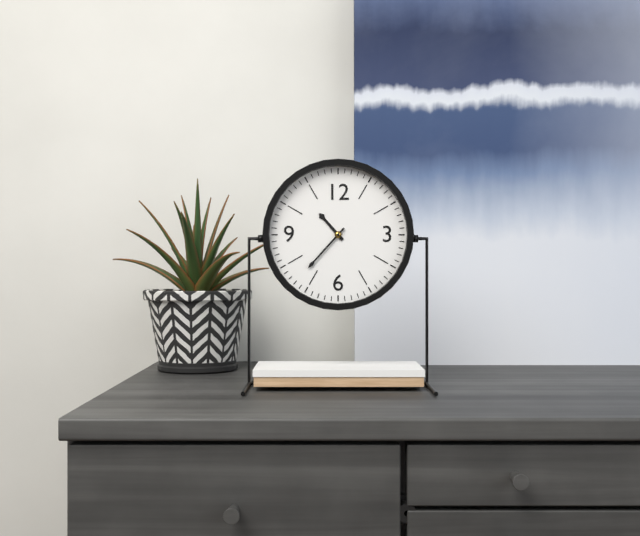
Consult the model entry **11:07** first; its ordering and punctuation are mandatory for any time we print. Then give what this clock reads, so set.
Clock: **10:37**
